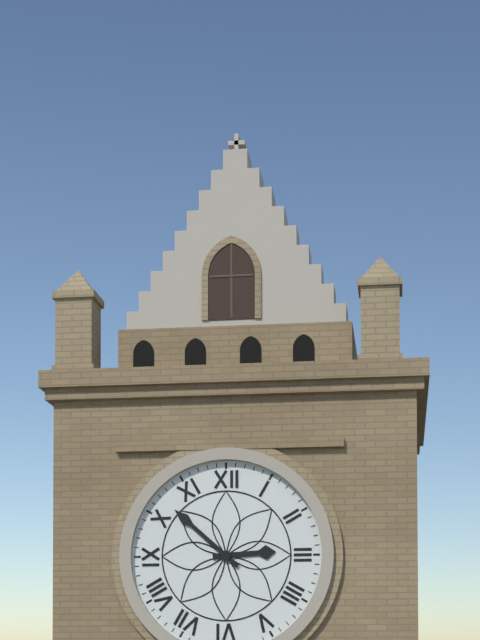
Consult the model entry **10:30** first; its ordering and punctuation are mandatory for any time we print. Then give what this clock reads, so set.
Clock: **2:52**
